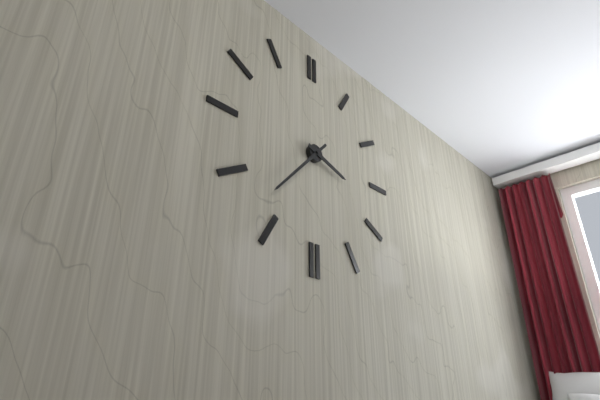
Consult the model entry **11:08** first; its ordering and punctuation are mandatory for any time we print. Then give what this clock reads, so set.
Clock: **3:37**
